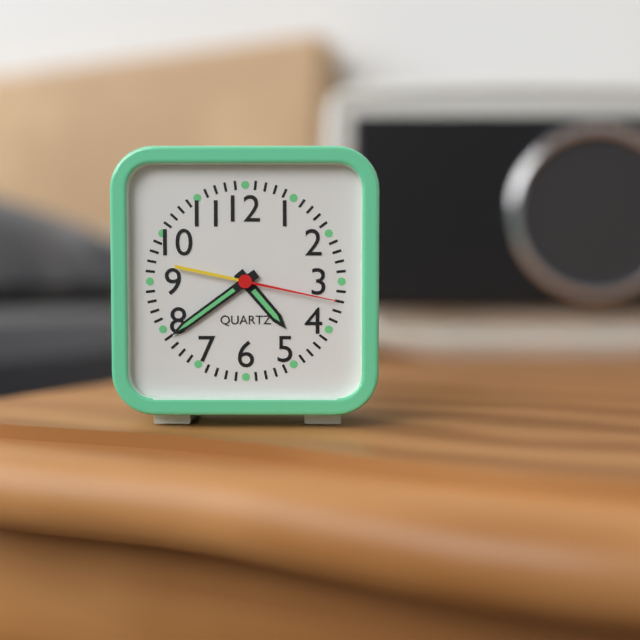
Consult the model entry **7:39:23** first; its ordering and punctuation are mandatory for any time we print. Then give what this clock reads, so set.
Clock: **4:39:17**
